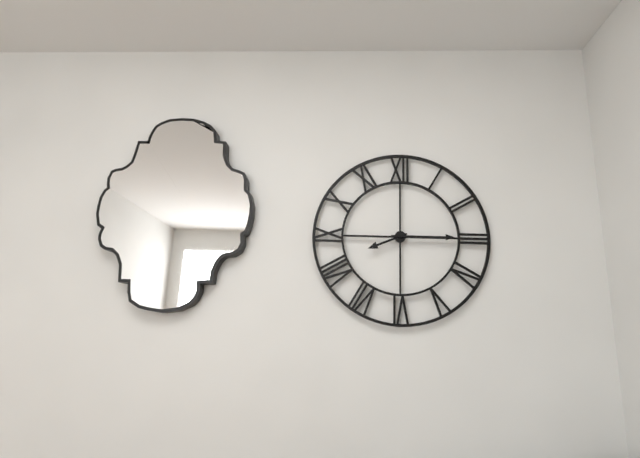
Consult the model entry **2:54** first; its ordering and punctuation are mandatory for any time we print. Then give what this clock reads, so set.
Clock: **8:15**
